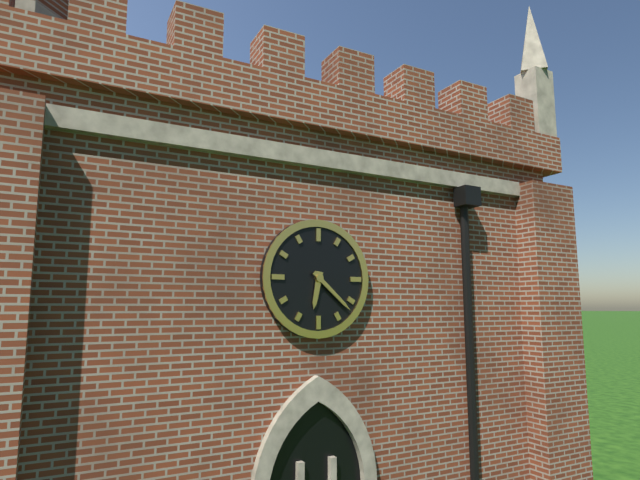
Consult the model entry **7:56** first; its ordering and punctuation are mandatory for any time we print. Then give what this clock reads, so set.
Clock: **6:22**
